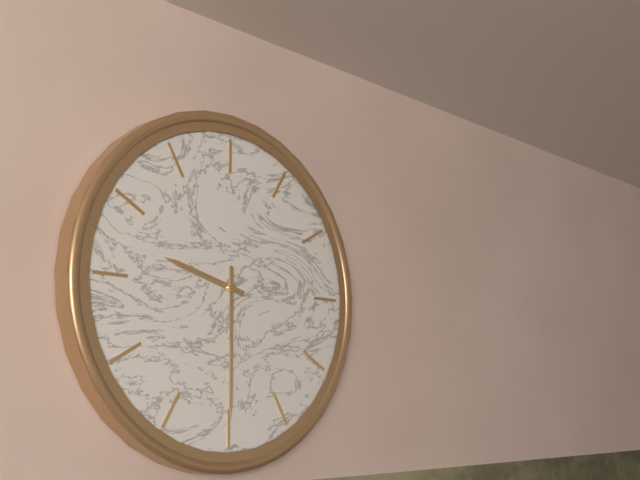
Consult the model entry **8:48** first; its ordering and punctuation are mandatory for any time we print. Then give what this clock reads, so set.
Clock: **9:30**
